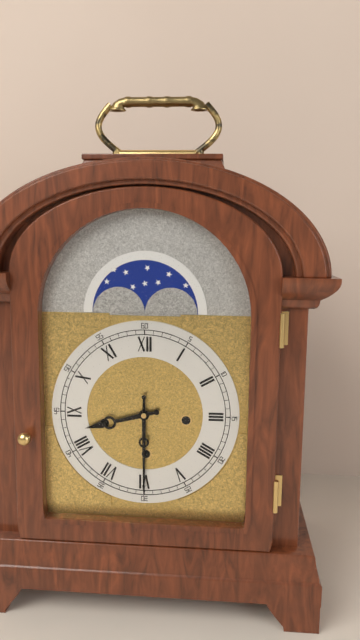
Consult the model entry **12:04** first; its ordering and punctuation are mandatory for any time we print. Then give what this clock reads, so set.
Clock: **8:30**
